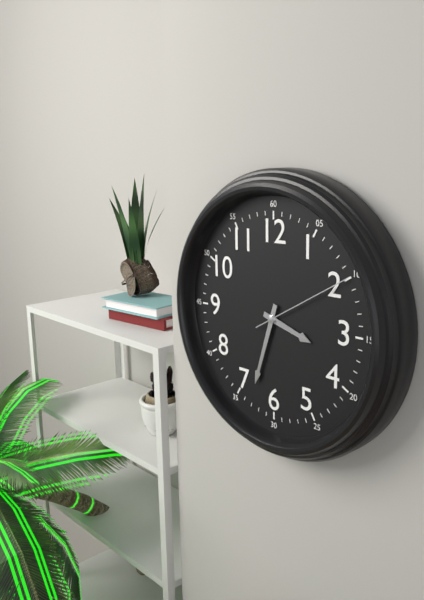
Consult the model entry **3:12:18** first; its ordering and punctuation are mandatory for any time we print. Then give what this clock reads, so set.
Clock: **3:33:10**
